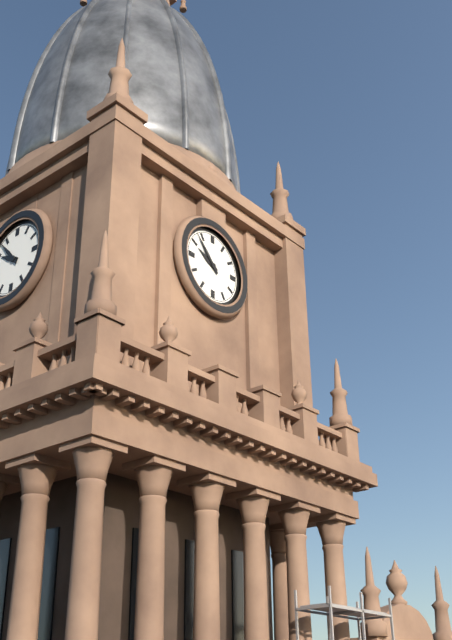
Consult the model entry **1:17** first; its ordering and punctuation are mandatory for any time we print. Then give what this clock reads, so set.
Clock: **9:53**
